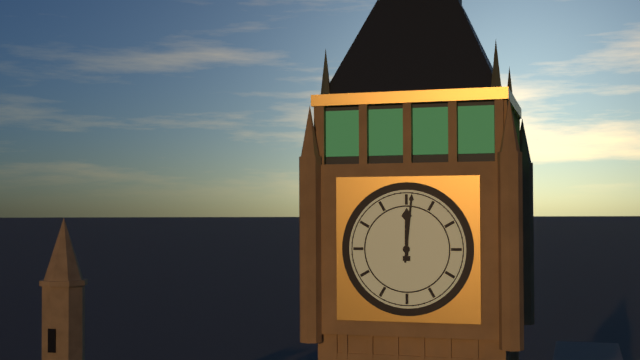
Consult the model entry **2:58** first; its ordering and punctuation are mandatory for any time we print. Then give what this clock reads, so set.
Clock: **12:01**
